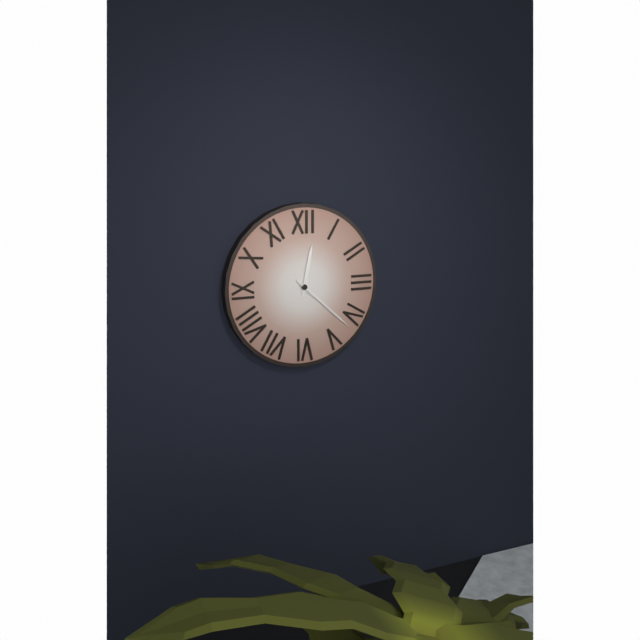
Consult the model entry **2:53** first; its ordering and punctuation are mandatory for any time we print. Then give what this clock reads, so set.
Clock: **12:22**
